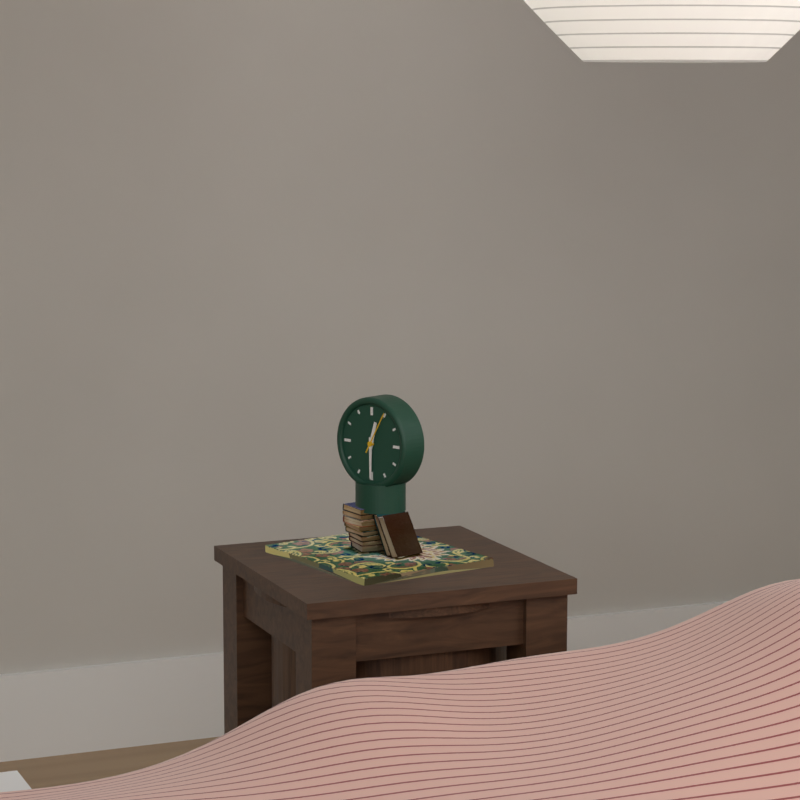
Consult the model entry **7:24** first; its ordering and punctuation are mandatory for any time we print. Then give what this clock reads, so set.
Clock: **12:30**
